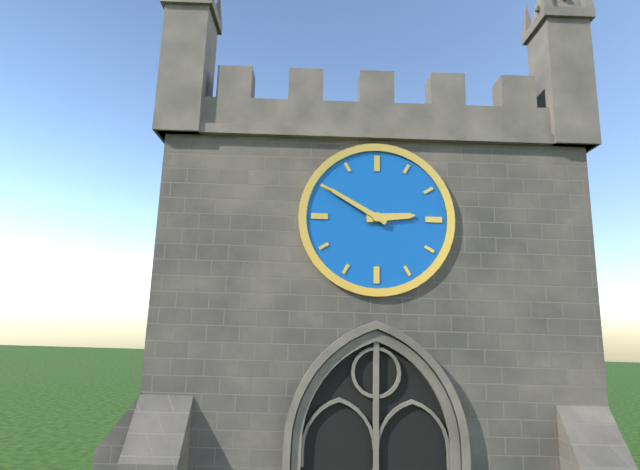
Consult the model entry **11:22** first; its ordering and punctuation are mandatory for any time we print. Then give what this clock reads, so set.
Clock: **2:50**
